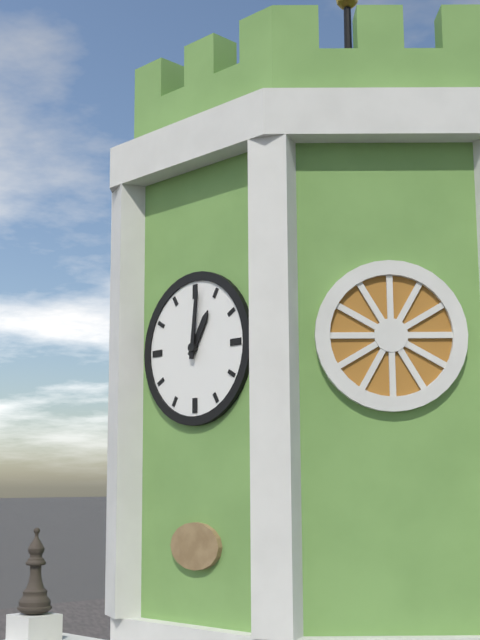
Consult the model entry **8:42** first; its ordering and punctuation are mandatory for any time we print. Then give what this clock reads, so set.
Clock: **1:01**
